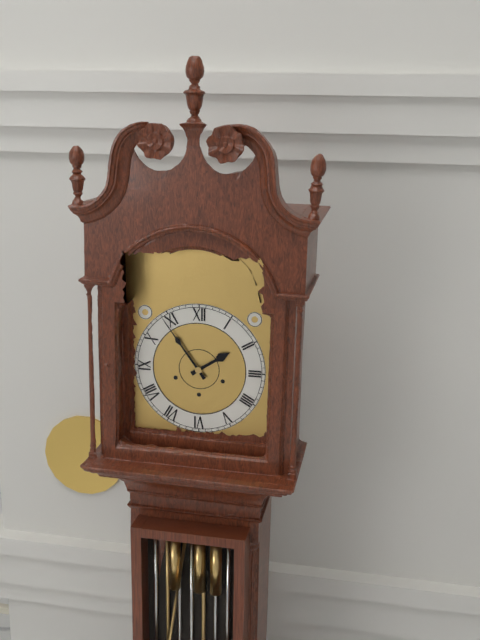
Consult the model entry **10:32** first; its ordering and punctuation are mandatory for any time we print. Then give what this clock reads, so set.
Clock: **1:54**
